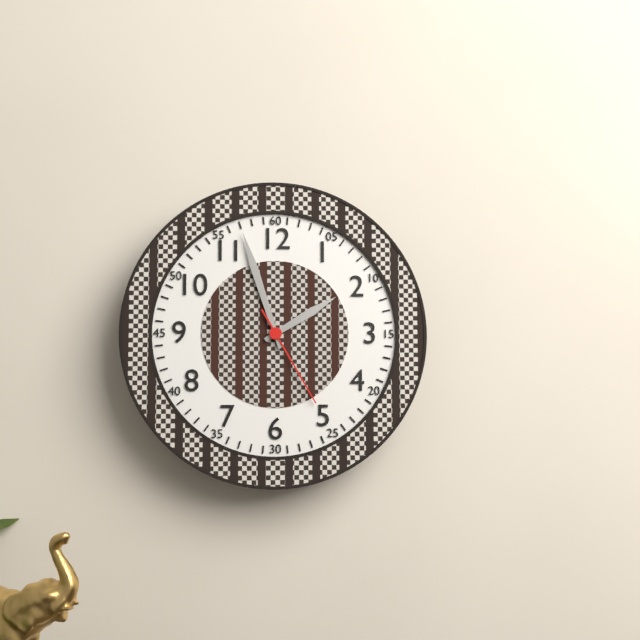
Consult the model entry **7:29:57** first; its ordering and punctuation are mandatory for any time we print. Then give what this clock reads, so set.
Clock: **1:57:25**
